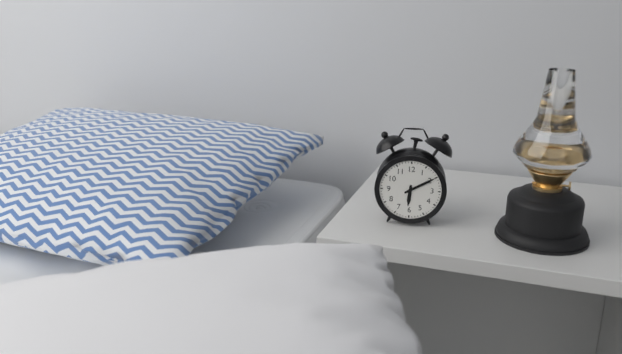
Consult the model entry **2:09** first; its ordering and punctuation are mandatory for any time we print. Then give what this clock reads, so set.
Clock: **6:10**
